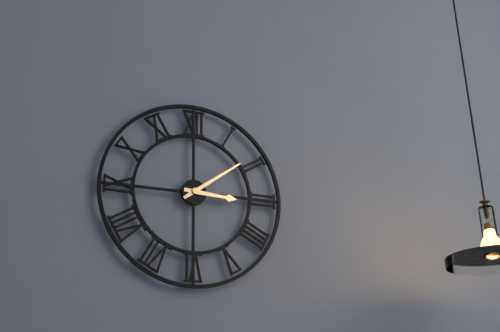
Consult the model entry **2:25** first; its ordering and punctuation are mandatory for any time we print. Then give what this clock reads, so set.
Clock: **3:09**
